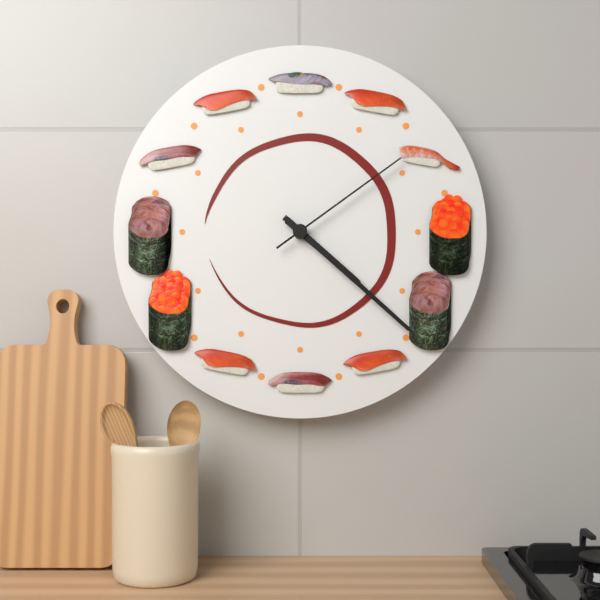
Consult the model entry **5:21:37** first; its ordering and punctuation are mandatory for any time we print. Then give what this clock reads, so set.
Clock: **4:22:09**
